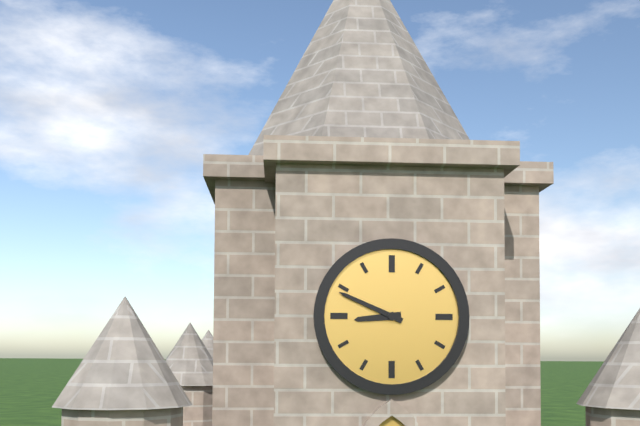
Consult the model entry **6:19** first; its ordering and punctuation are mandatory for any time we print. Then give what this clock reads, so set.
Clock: **8:49**
